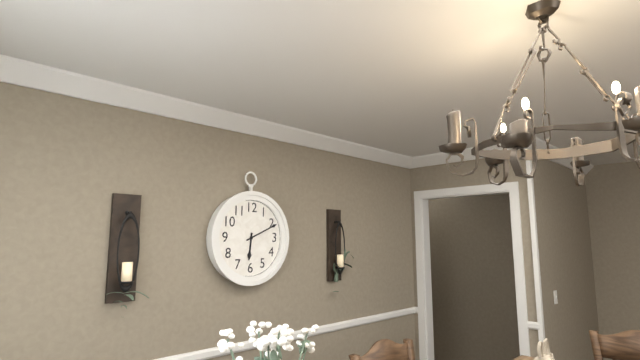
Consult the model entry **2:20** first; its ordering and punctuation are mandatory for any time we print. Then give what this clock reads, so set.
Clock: **6:11**
